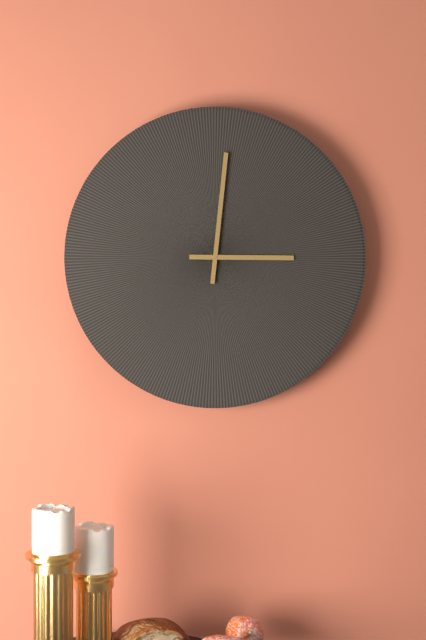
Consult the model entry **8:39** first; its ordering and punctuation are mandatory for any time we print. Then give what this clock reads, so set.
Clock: **3:01**
